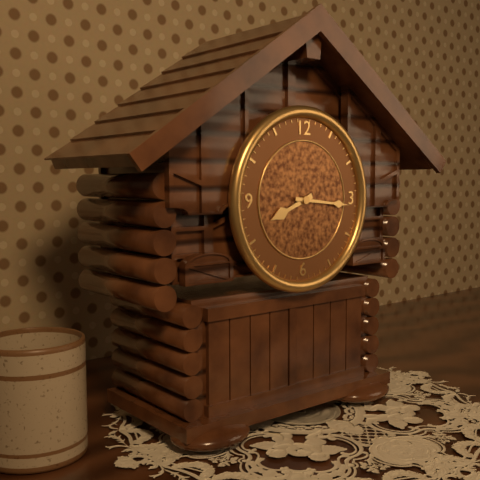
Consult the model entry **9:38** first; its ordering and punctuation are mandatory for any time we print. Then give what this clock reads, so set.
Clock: **8:16**
